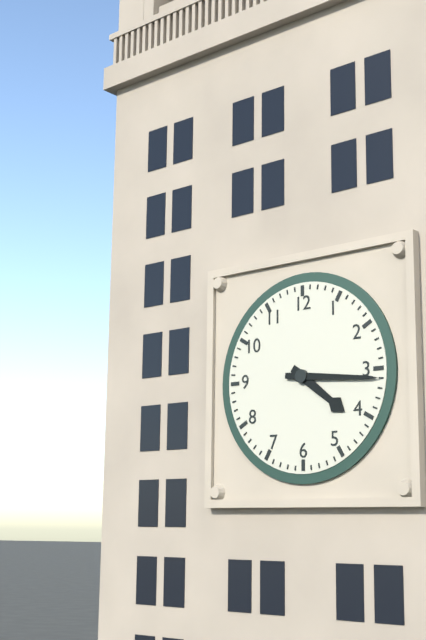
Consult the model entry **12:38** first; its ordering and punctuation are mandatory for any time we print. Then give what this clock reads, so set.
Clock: **4:16**
